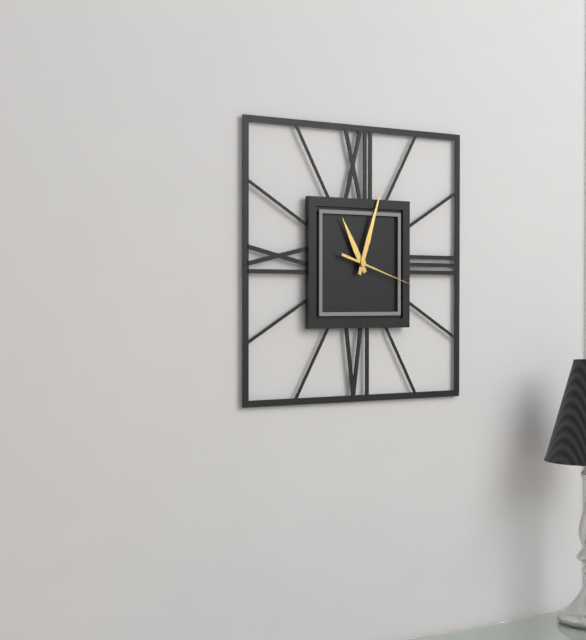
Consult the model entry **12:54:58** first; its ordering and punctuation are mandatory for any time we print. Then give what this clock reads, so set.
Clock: **11:03:18**
